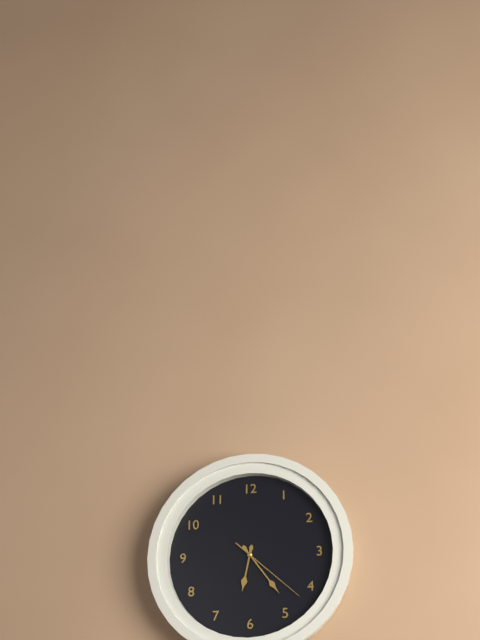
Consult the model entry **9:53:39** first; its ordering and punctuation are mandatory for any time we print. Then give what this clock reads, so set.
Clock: **6:24:22**
